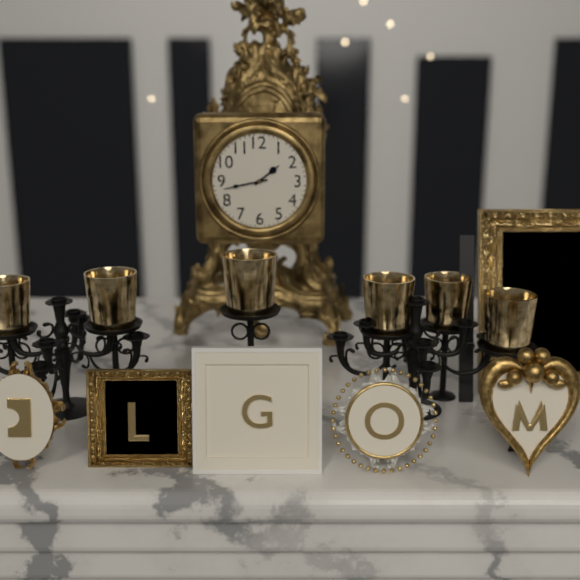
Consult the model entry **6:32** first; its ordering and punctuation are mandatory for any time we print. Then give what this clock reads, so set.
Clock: **1:43**
